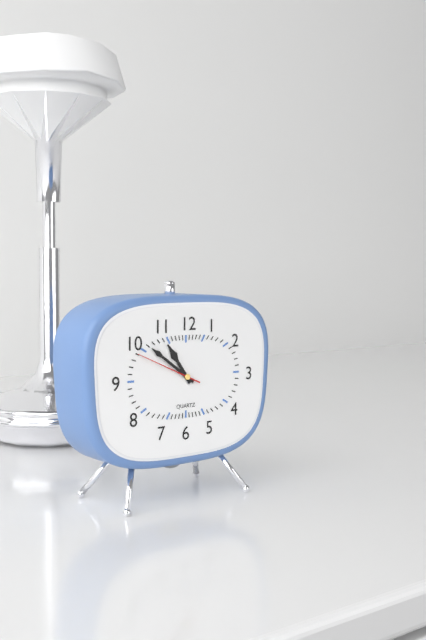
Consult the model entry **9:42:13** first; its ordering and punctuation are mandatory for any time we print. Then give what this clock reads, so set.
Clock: **10:51:49**
